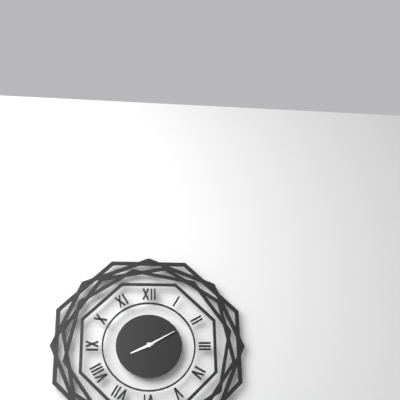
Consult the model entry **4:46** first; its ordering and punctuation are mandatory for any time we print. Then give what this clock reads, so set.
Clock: **8:10**
